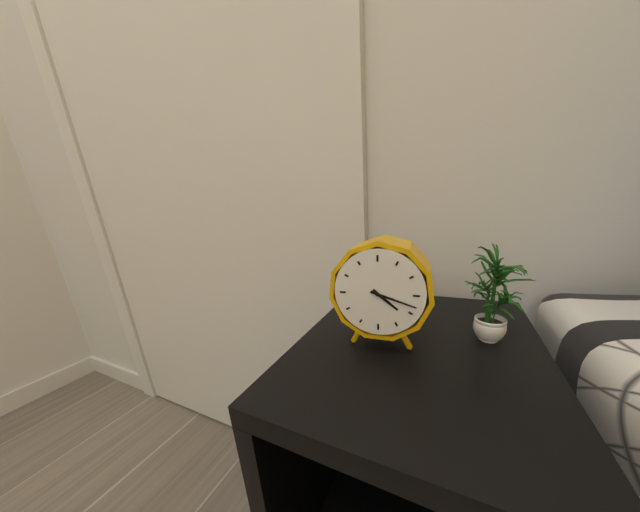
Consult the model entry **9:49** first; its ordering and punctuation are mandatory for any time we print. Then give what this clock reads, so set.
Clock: **4:18**
